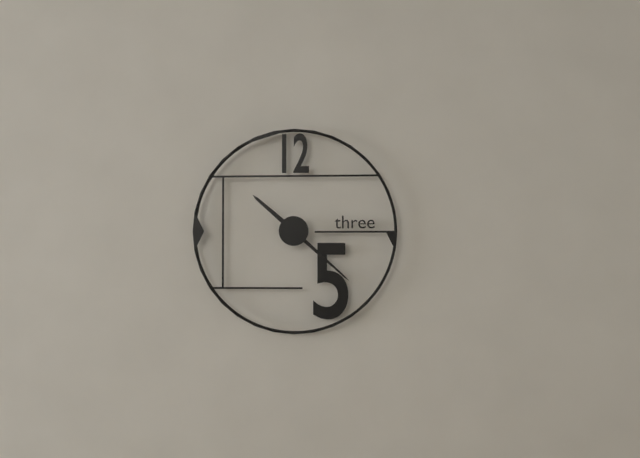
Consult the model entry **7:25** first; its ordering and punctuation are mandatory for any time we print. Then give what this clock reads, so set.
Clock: **10:22**
